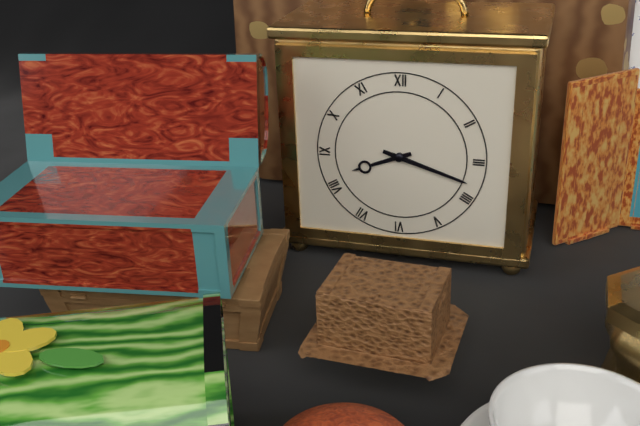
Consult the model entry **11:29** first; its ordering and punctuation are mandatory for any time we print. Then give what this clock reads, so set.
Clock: **8:18**
